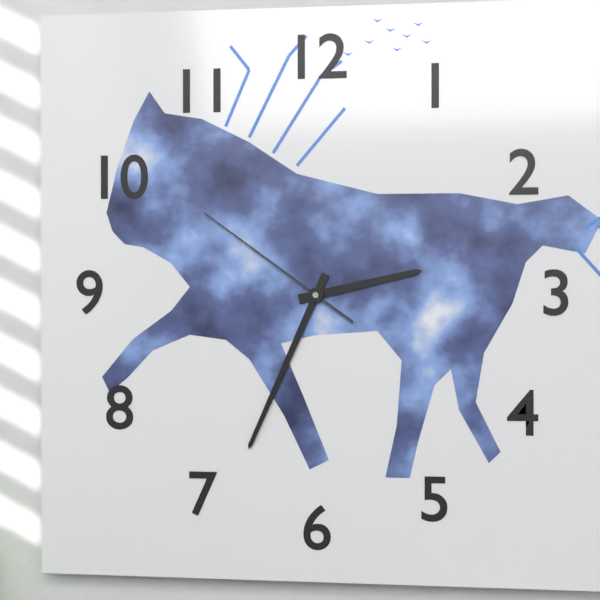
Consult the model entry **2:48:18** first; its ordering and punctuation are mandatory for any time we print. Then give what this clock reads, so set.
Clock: **2:34:51**
